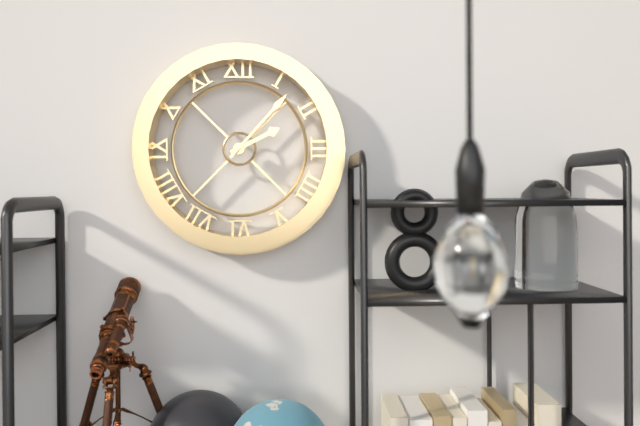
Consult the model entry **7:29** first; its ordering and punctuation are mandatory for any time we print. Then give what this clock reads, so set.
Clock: **2:07**
